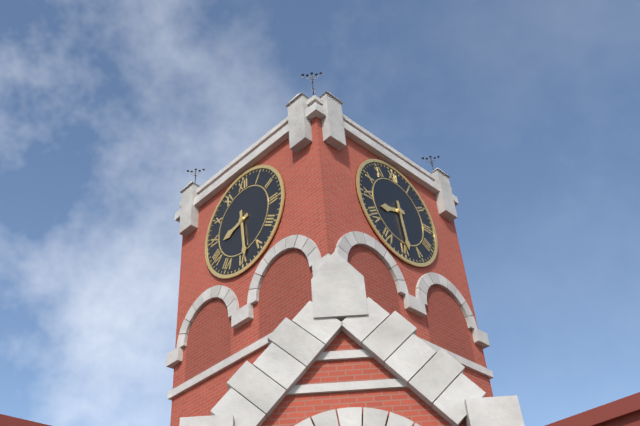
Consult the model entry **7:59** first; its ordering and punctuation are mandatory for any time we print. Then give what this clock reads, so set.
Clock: **8:29**
